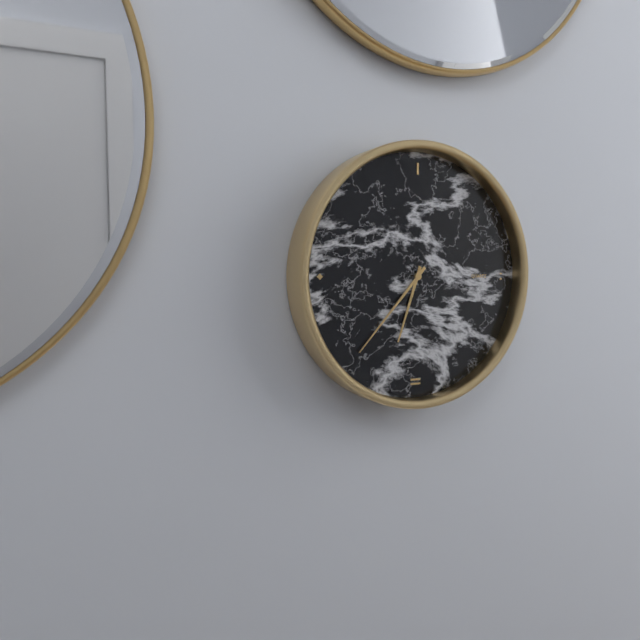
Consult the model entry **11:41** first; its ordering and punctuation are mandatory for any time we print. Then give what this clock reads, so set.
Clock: **6:37**
